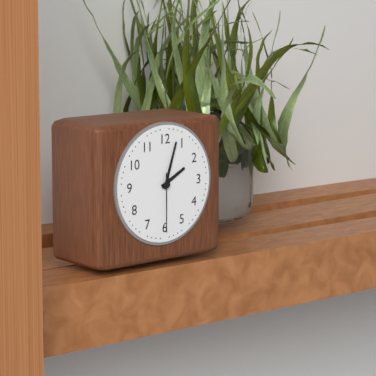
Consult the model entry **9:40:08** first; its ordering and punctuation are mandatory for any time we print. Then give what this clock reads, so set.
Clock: **2:03:30**
